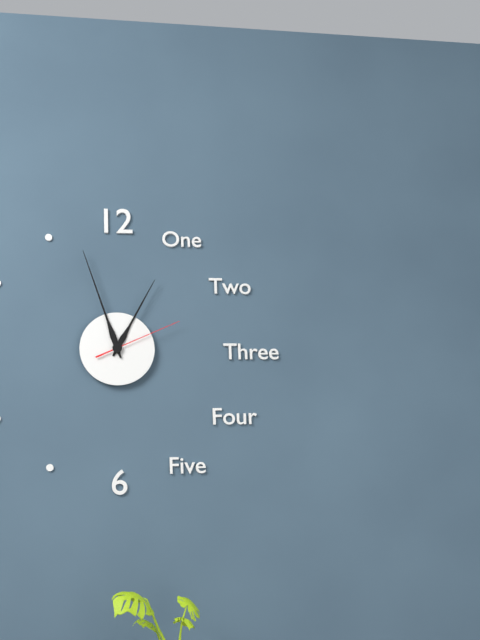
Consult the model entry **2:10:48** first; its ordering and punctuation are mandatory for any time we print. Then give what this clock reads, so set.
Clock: **12:57:11**
